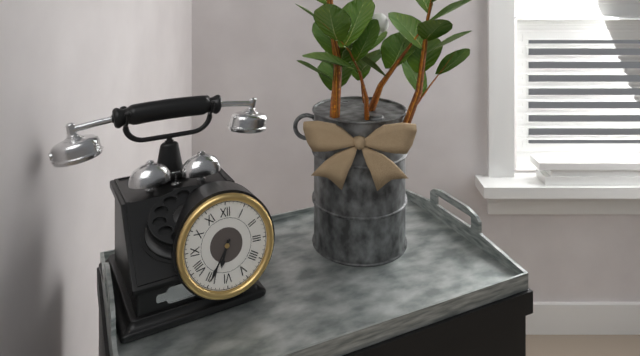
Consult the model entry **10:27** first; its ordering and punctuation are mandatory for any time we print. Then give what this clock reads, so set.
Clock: **6:35**
